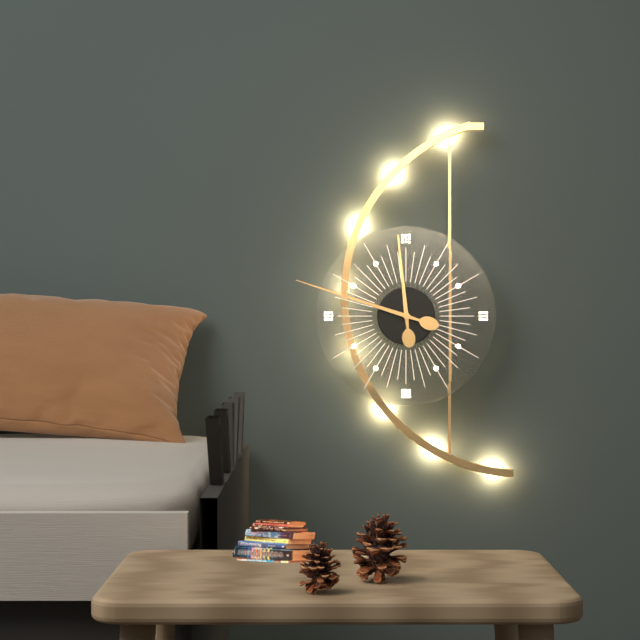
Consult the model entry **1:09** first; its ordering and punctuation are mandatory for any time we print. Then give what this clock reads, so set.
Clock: **11:48**
